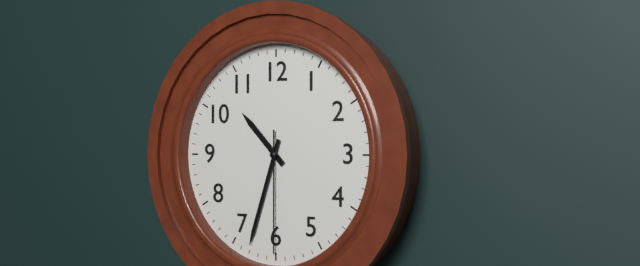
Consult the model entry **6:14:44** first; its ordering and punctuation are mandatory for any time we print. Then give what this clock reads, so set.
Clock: **10:33:30**
